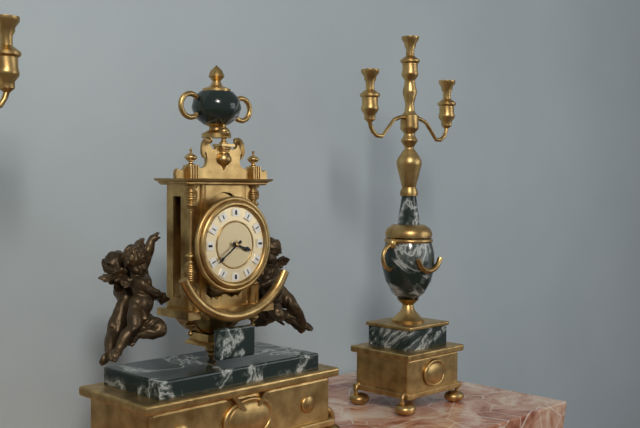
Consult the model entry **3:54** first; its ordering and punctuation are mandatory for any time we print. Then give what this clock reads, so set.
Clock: **3:39**
